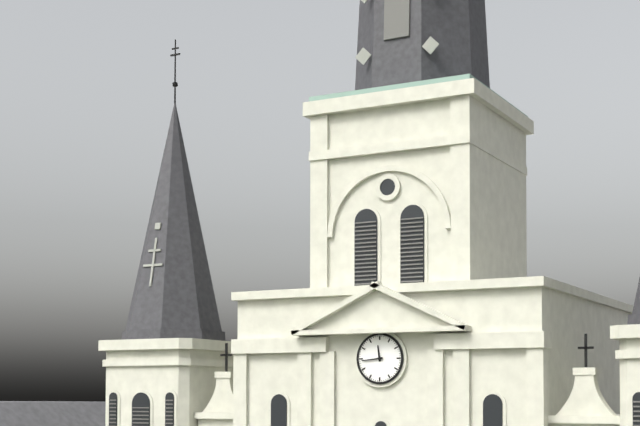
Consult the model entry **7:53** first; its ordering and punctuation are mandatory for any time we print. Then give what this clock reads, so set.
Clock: **11:44**
